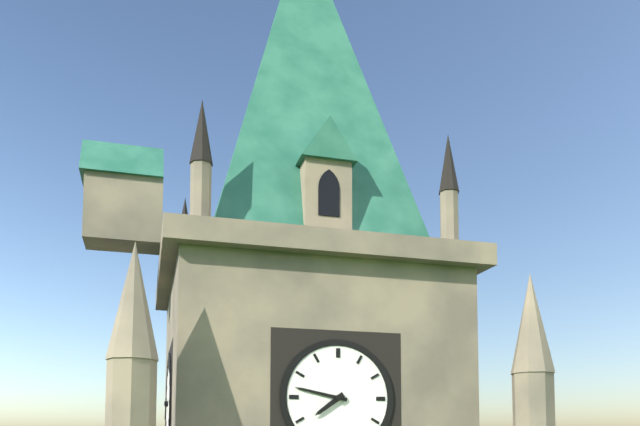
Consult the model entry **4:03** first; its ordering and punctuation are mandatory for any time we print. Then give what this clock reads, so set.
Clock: **7:47**
